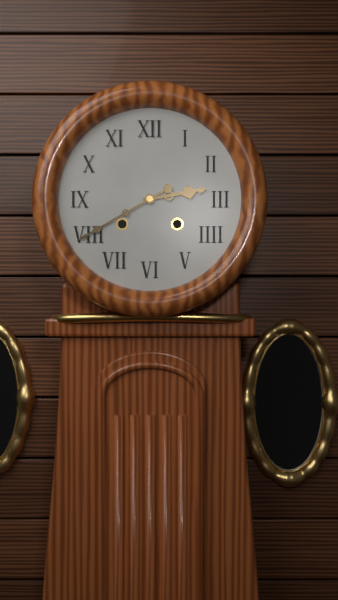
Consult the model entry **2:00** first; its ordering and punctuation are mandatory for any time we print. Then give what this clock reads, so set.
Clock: **2:40**
